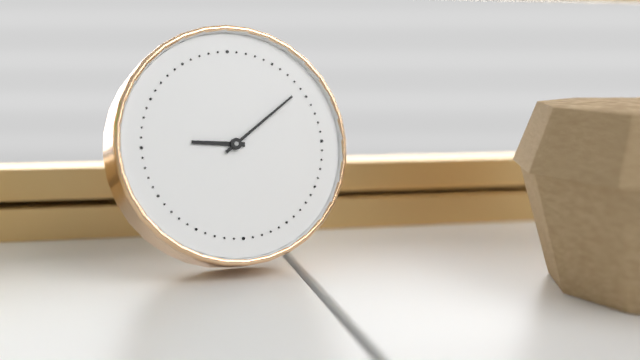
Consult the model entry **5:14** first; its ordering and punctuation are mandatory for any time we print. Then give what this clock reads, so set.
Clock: **9:09**
